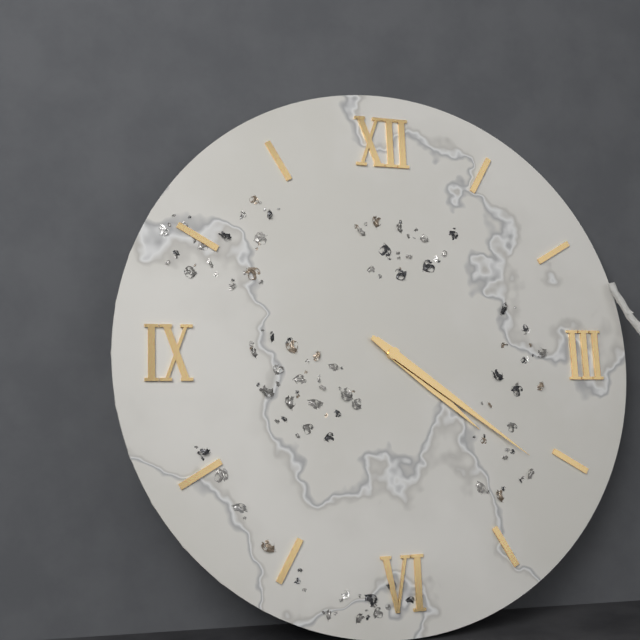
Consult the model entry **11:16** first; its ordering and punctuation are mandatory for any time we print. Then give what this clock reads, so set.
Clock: **4:21**
